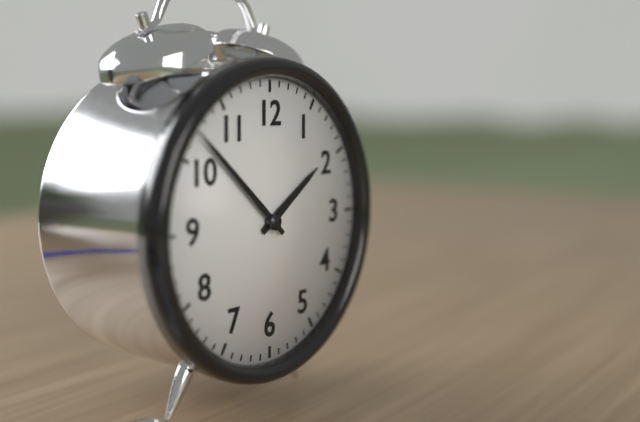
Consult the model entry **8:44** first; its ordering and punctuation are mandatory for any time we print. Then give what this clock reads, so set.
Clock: **1:52**
